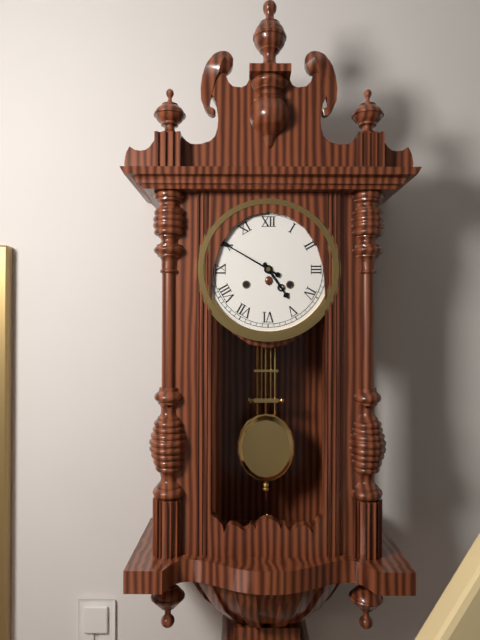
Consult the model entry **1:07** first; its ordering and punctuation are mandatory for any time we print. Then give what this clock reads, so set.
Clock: **4:50**
